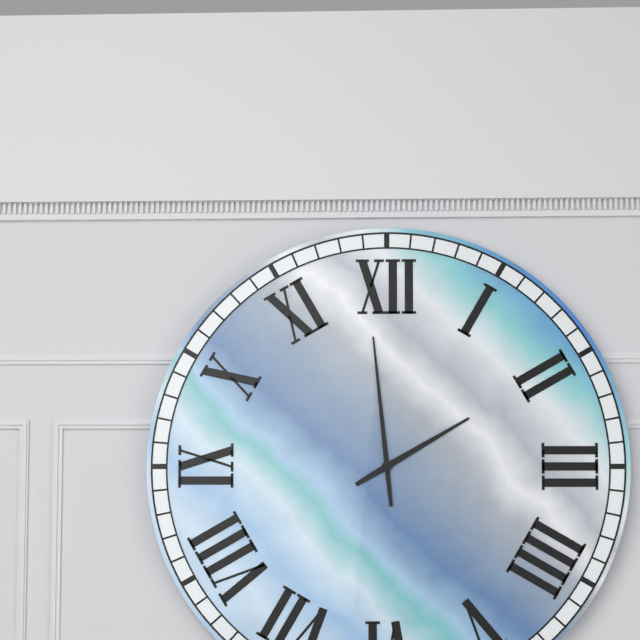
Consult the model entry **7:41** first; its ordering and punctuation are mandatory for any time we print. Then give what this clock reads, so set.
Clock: **1:59**
